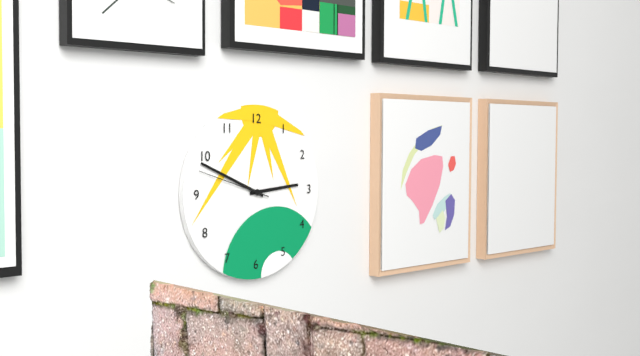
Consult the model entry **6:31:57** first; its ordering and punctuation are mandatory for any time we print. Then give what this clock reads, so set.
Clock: **2:49:48**
